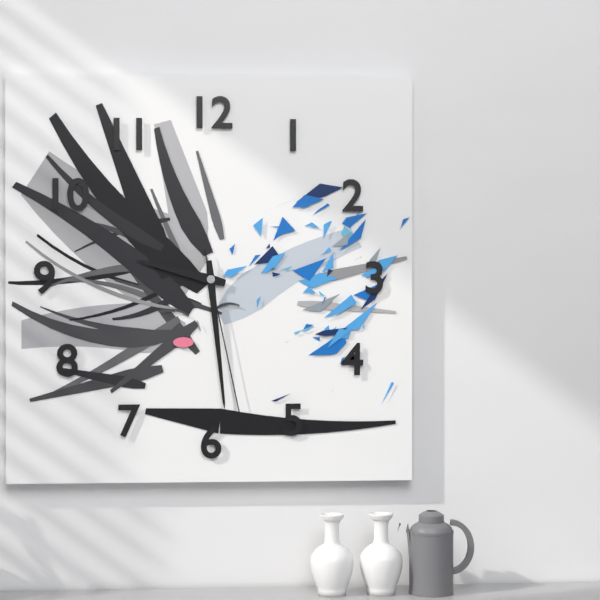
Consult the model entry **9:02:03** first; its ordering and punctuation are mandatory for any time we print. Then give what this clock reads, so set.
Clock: **9:29:28**
